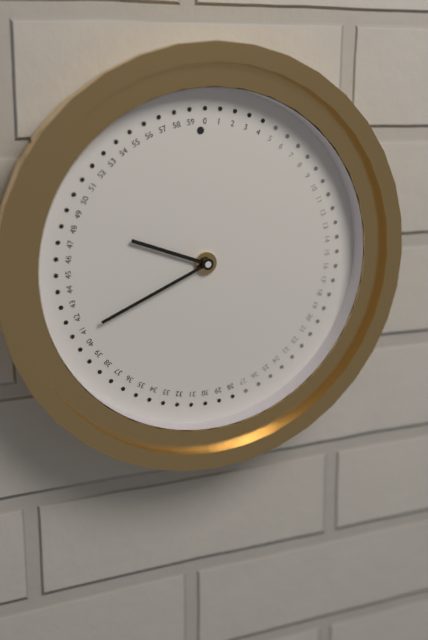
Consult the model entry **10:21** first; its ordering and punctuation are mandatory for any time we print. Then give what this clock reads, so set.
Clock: **9:41**
